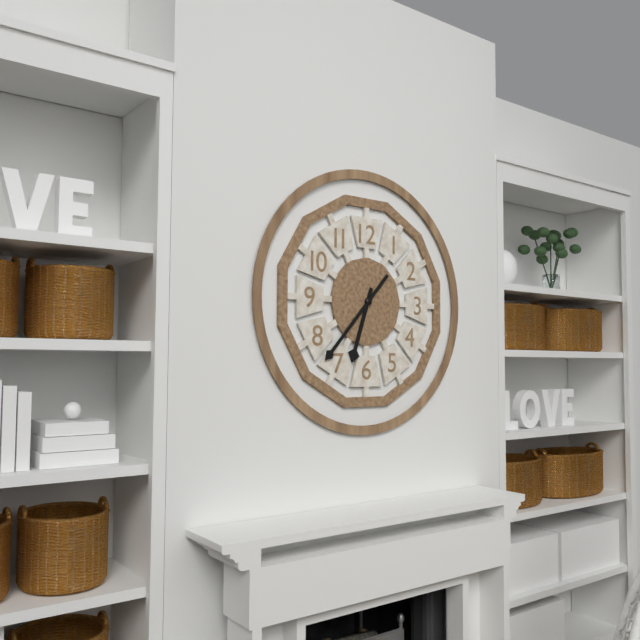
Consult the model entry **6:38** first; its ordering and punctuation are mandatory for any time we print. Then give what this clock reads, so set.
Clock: **6:37**
